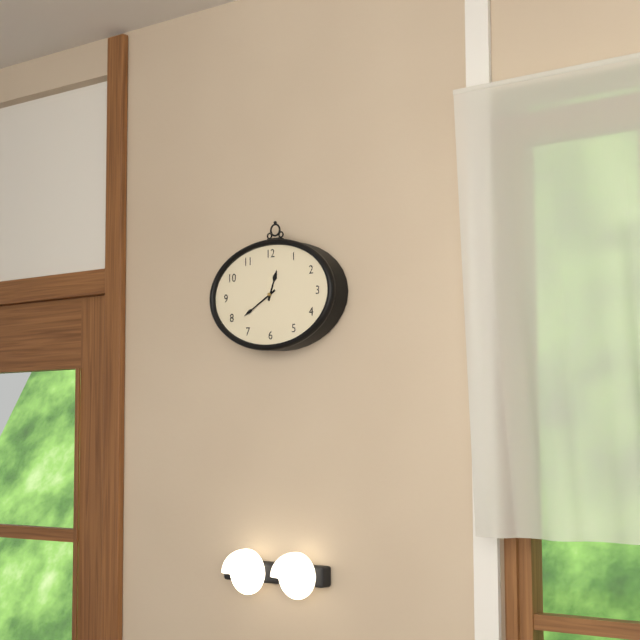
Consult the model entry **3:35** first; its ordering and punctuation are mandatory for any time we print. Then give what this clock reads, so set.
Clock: **12:40**
